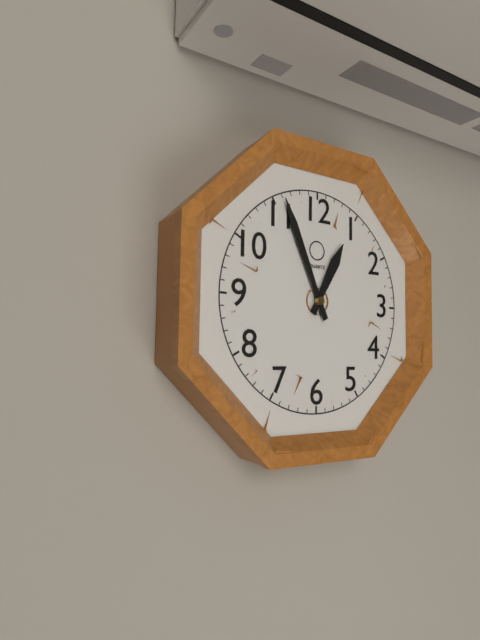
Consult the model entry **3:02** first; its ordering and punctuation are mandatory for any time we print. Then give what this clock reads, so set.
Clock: **12:56**
